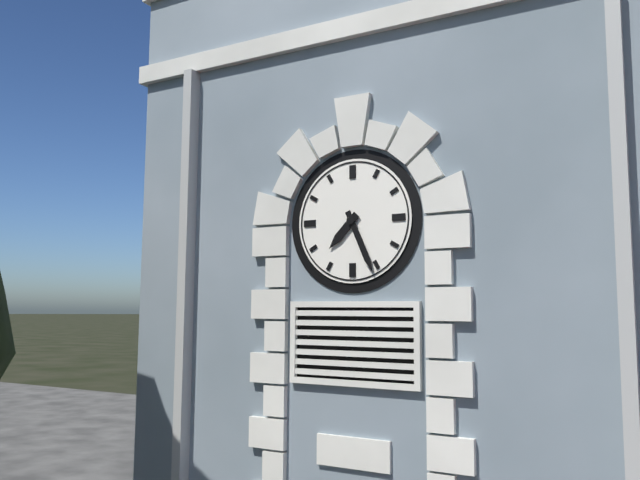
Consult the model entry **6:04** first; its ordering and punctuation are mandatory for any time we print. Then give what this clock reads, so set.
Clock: **7:26**
